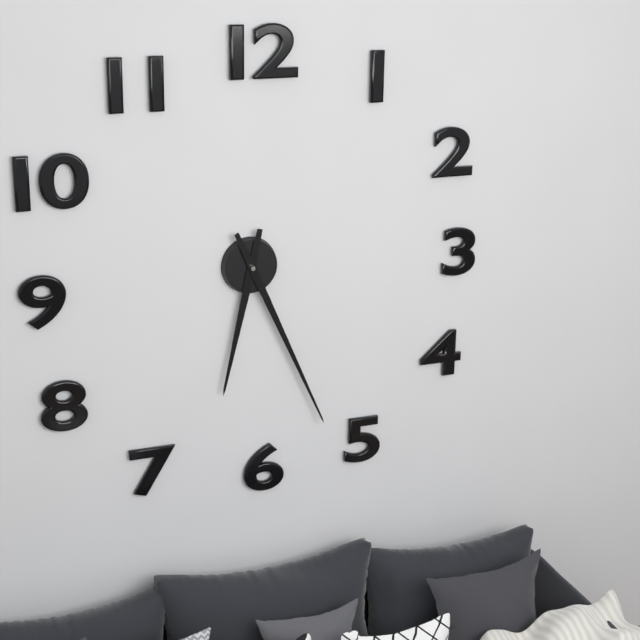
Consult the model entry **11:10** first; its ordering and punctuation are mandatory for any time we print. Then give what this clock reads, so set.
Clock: **6:26**
